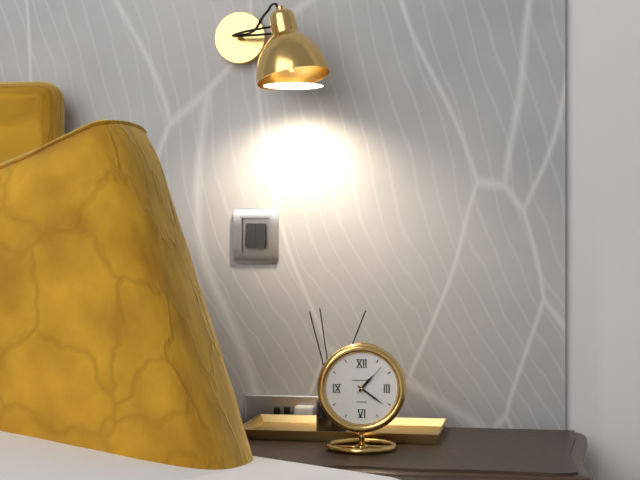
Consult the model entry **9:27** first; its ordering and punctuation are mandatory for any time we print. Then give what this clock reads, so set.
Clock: **1:21**
